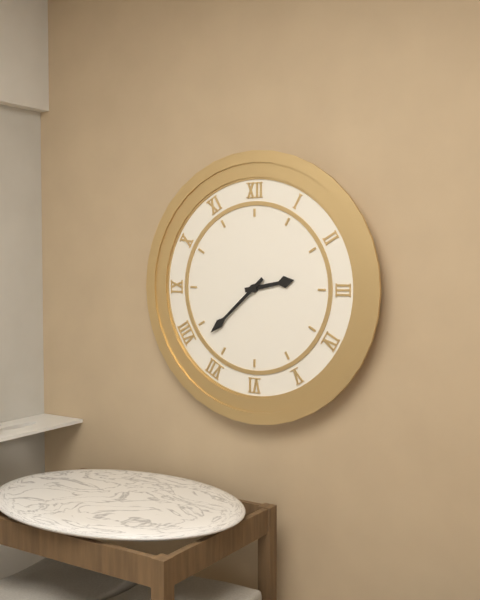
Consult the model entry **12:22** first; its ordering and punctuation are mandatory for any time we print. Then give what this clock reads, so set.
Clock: **2:38**
